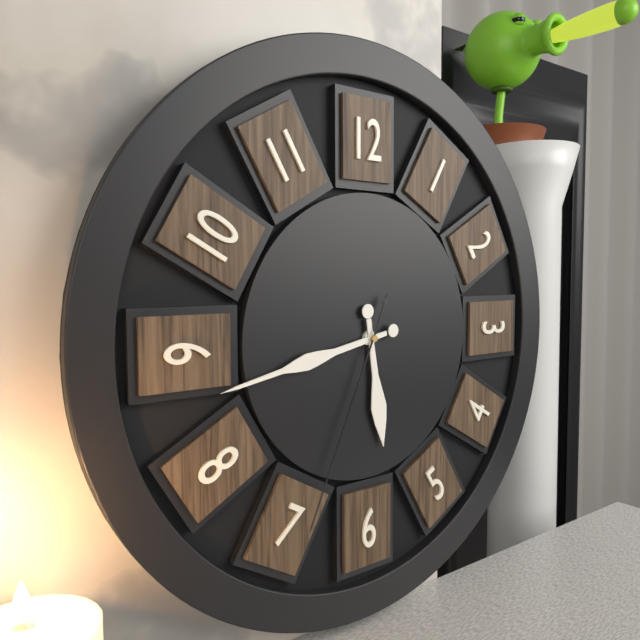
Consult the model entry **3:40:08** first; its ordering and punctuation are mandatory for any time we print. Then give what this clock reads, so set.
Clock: **5:43:34**
